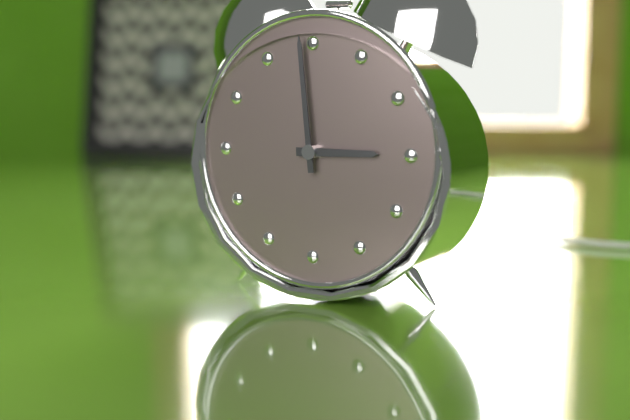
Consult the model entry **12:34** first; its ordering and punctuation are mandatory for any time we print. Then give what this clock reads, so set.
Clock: **2:59**
